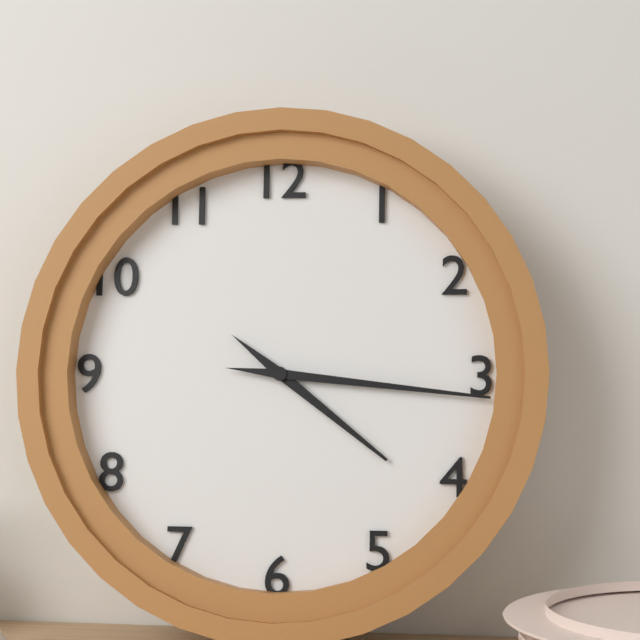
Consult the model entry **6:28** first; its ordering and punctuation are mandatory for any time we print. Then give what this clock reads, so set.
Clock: **4:16**
